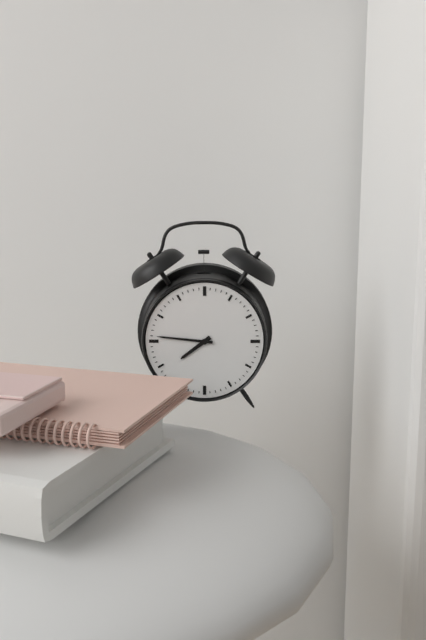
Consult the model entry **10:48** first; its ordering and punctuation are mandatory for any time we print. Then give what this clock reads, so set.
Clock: **7:46**
